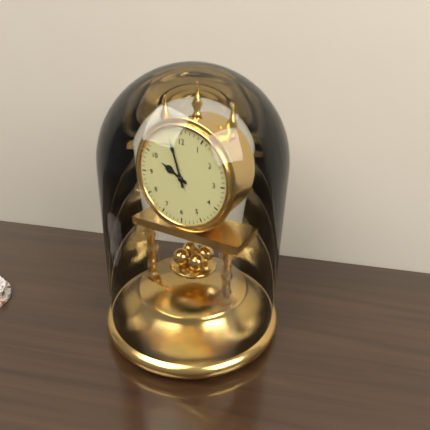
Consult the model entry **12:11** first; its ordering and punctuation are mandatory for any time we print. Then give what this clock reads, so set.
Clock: **9:57**
